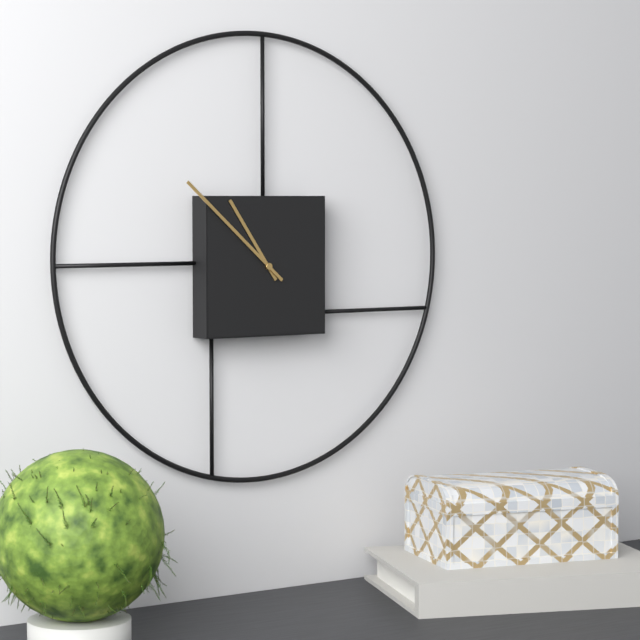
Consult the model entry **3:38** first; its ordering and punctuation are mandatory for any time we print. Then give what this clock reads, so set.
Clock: **10:52**
